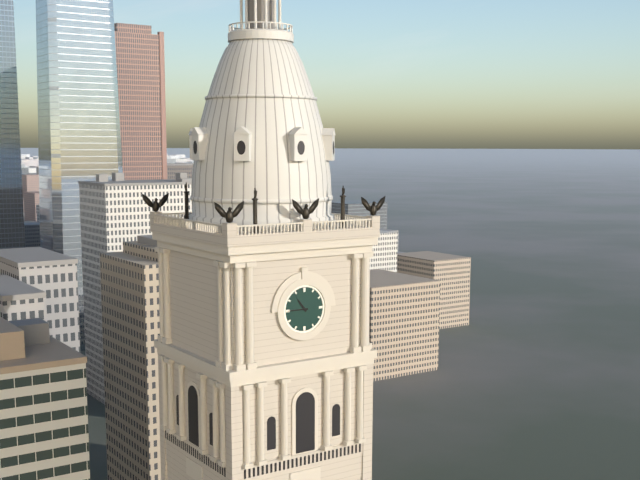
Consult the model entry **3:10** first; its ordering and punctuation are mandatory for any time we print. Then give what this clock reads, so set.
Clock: **10:45**
